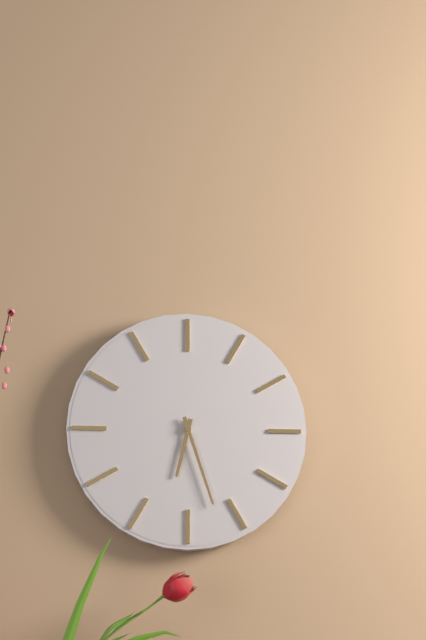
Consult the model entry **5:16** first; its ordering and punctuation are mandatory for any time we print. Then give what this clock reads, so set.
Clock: **6:27**
